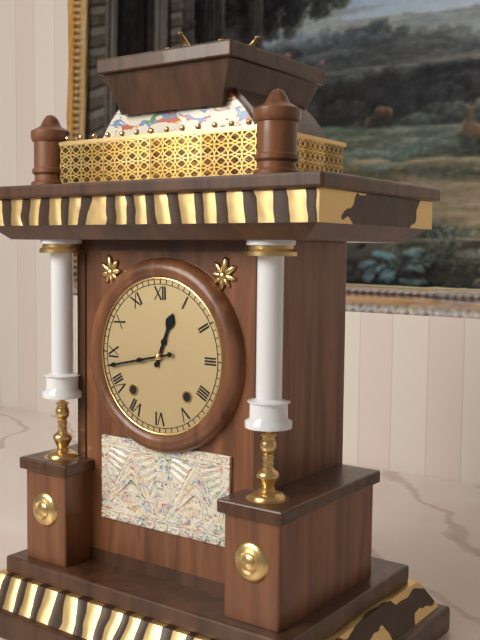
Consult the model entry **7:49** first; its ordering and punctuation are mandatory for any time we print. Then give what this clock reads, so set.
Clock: **12:43**
